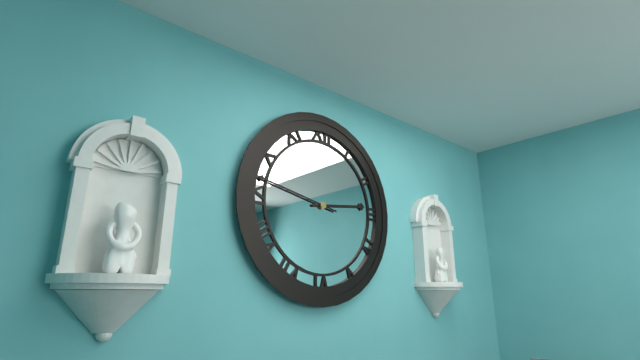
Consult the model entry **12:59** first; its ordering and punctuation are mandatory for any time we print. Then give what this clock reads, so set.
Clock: **2:47**
